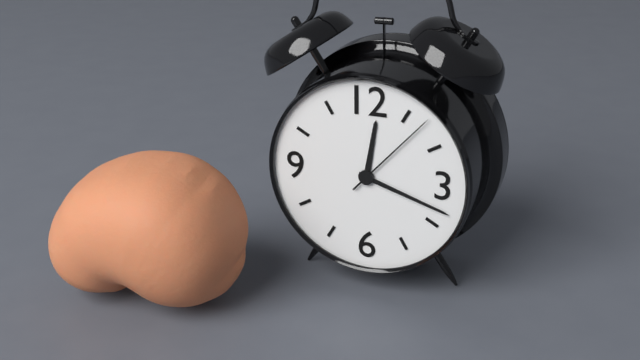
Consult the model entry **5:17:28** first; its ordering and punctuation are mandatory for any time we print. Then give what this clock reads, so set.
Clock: **12:18:07**
